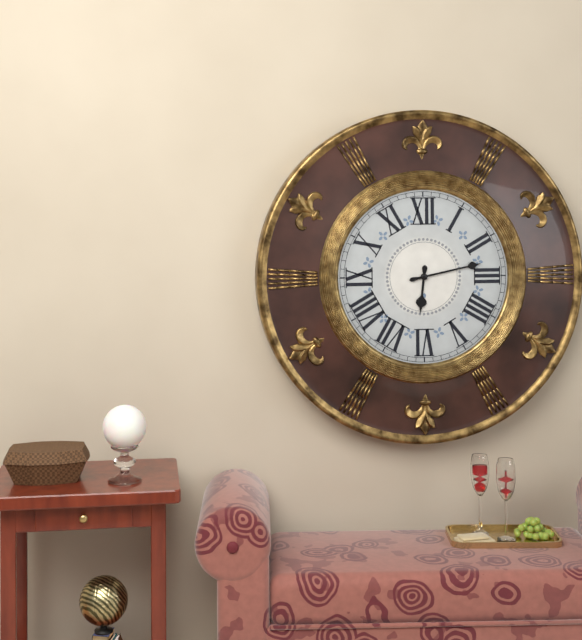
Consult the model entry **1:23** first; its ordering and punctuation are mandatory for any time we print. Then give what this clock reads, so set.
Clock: **6:13**
